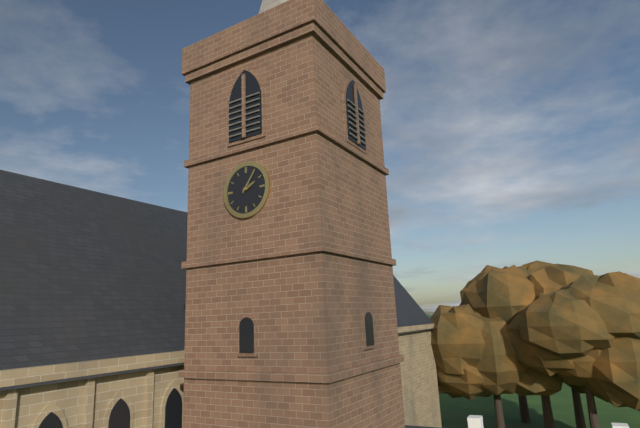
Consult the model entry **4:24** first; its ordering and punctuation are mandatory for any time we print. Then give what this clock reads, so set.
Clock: **2:06**
